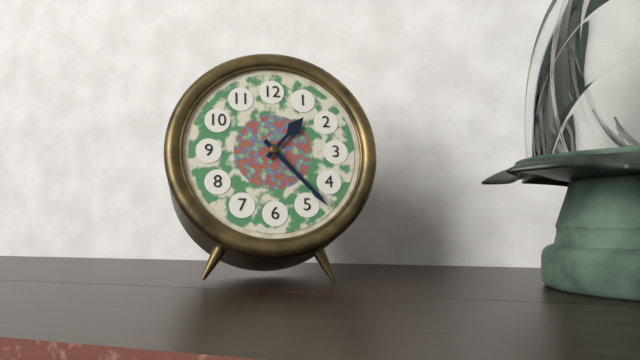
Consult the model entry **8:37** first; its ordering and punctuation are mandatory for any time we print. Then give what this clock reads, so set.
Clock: **1:23**
